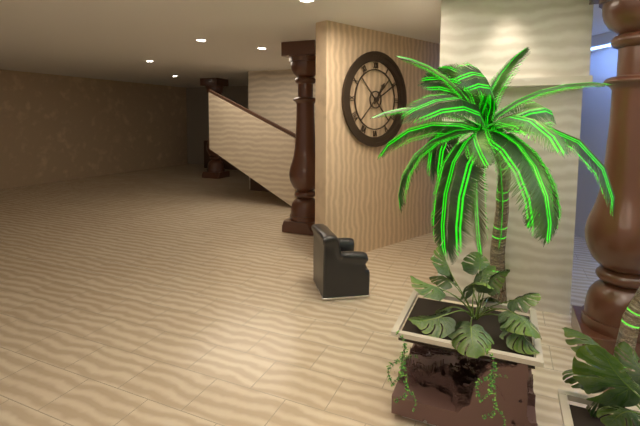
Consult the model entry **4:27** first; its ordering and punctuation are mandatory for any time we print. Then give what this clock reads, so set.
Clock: **1:10**
